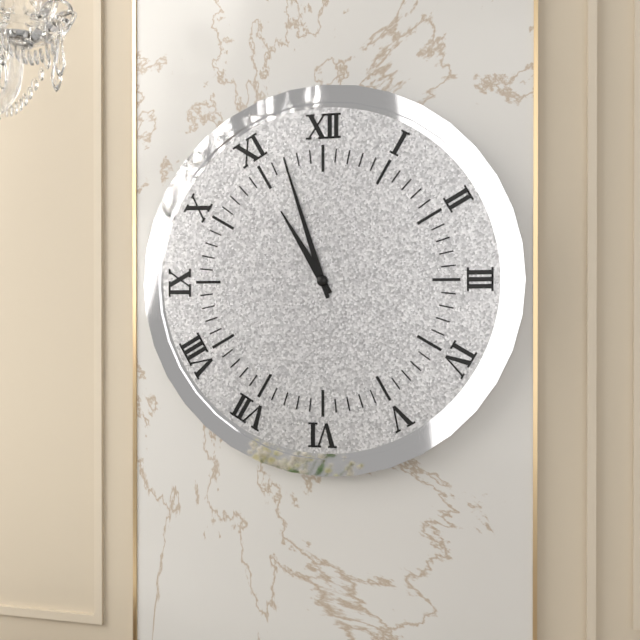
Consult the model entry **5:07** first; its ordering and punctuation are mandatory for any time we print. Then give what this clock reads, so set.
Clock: **10:57**
